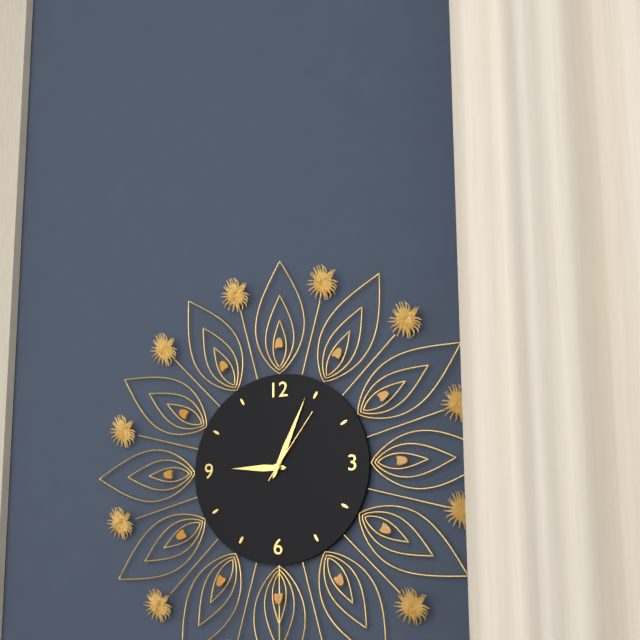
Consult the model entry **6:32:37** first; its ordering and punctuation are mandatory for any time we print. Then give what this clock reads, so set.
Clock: **9:04:06**
